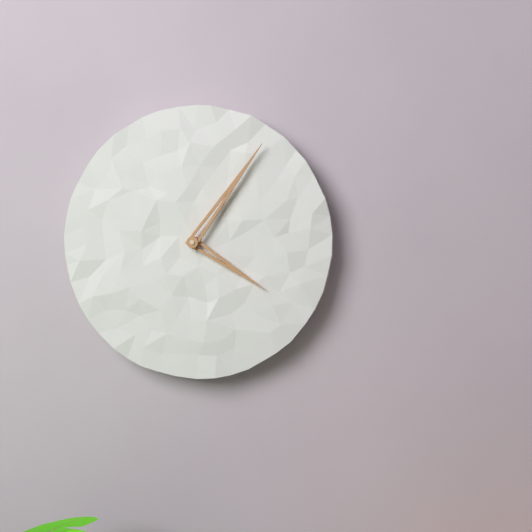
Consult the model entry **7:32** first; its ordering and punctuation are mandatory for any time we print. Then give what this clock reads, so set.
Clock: **4:06**
